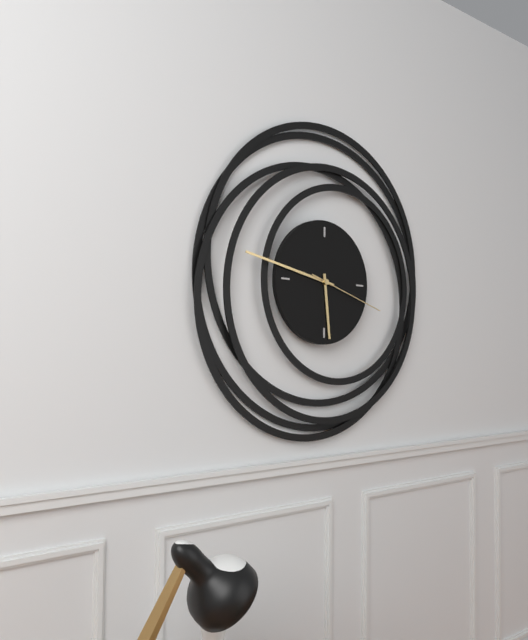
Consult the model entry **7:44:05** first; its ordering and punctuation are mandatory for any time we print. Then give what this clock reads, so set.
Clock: **5:47:18**
